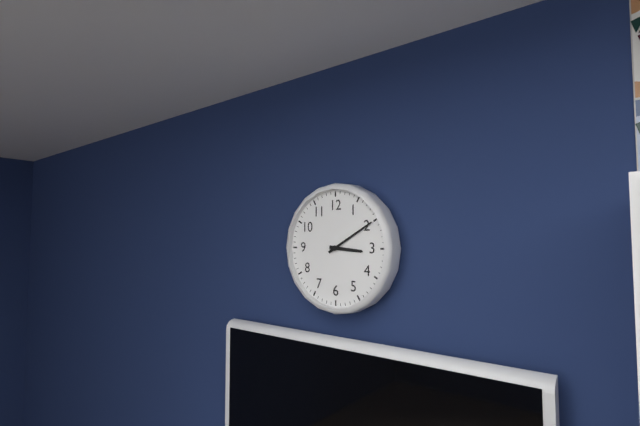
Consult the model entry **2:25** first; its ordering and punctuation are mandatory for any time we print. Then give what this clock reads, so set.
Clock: **3:10**
